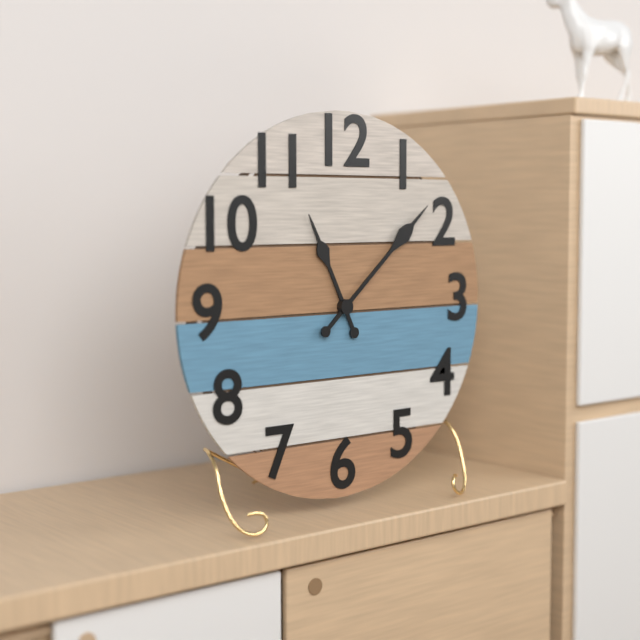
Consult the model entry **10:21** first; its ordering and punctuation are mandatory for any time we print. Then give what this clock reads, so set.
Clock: **11:08**
